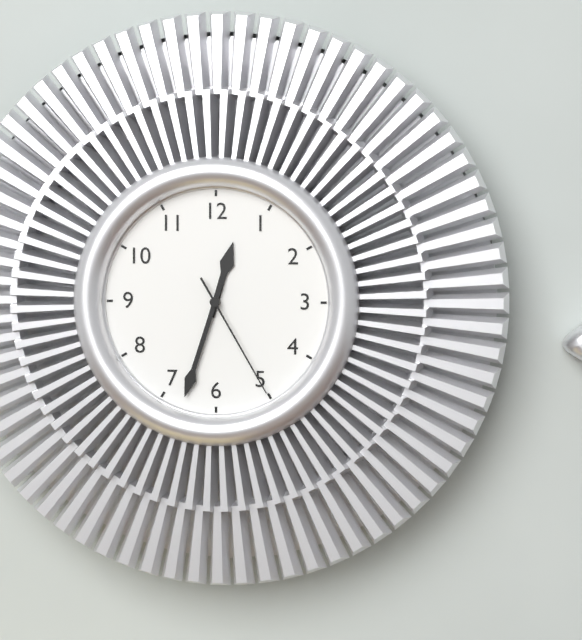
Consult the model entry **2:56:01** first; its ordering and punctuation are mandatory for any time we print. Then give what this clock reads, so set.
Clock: **12:33:25**
